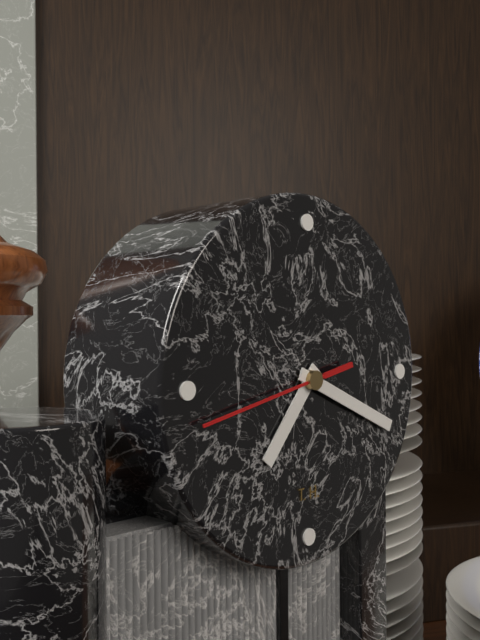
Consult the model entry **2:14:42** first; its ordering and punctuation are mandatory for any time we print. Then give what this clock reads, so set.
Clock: **7:19:43**
